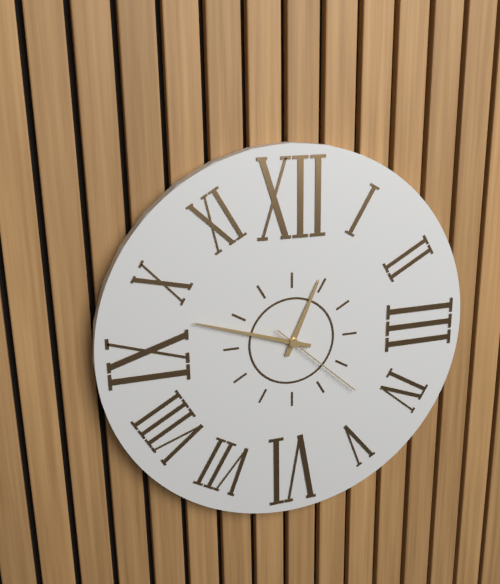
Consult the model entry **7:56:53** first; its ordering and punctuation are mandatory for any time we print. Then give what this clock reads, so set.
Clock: **12:48:22**
